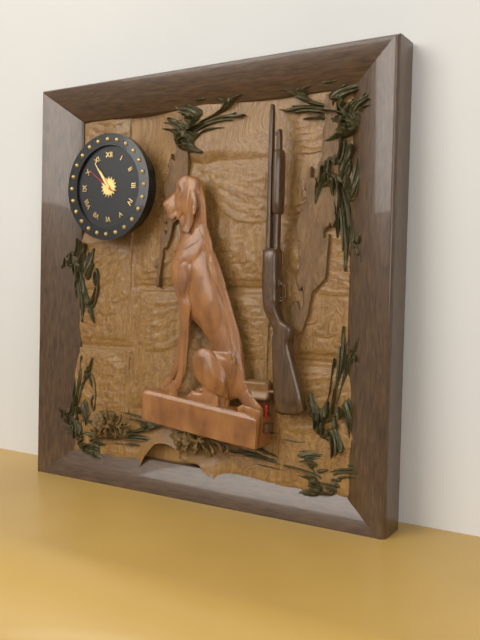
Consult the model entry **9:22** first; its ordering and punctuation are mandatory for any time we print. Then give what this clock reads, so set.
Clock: **10:54**
